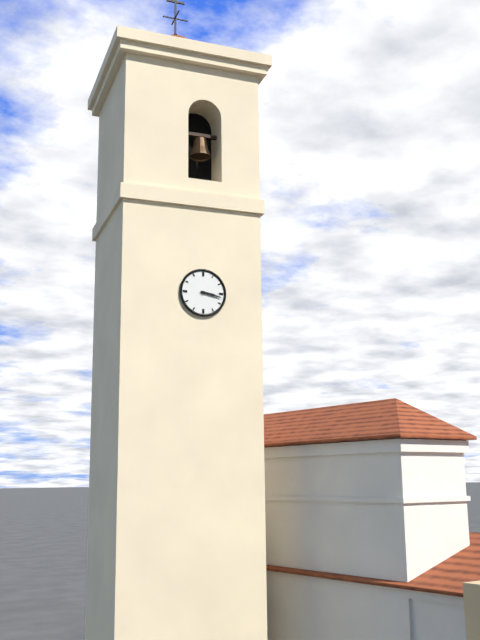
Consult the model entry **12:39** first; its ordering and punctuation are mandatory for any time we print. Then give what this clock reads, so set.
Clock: **3:17**
